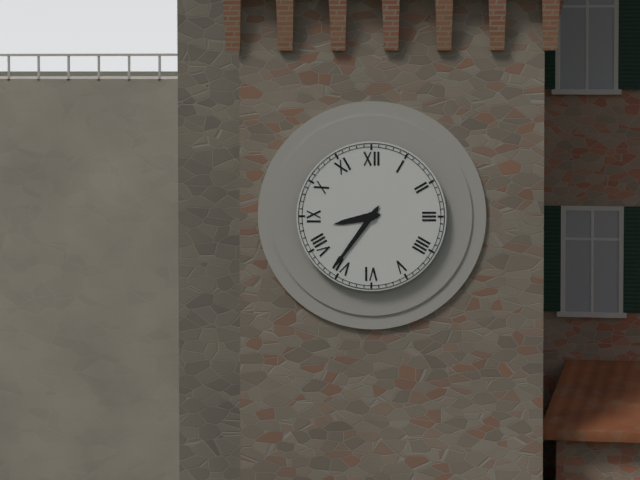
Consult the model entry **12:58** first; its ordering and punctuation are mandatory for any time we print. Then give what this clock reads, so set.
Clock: **8:36**
